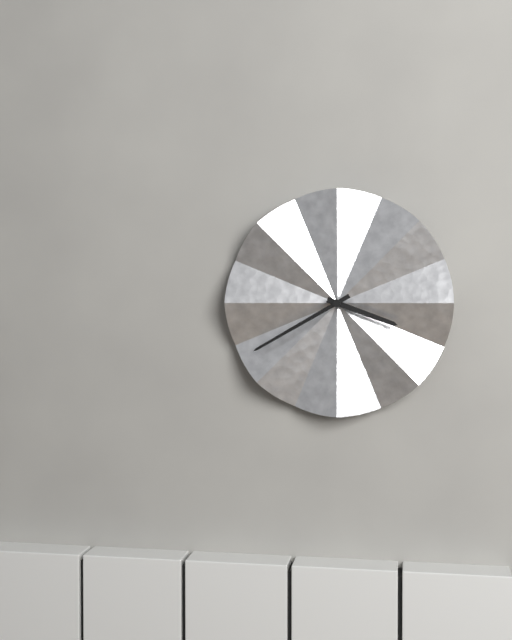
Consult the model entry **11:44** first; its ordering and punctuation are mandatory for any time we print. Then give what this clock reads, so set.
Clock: **3:40**
